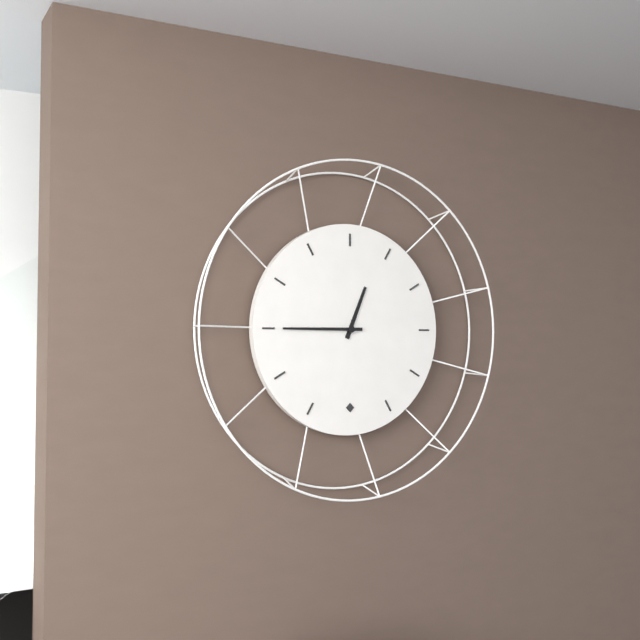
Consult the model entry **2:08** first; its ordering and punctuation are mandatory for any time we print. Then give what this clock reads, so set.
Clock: **12:45**
